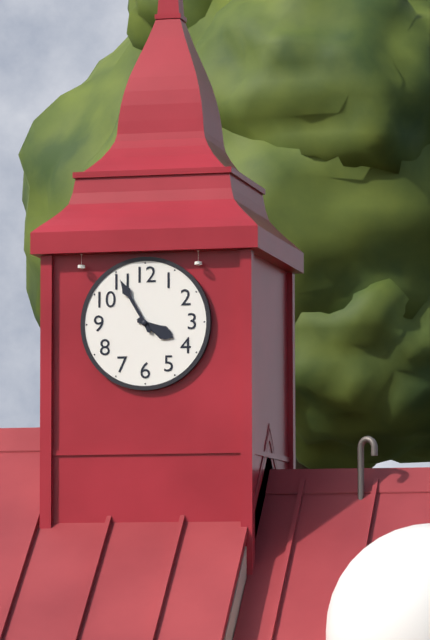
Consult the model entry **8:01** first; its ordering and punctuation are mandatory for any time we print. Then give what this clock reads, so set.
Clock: **3:55**
